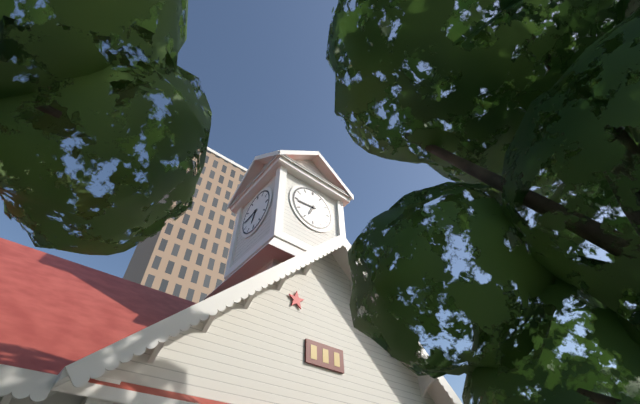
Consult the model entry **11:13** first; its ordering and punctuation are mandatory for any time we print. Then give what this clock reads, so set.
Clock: **6:44**
